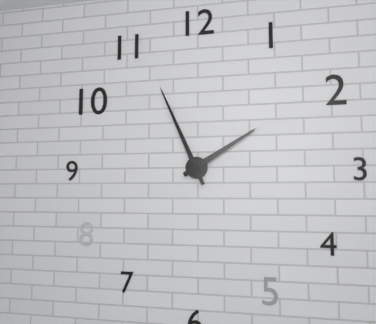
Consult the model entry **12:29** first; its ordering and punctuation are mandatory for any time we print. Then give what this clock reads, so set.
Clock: **1:56**
